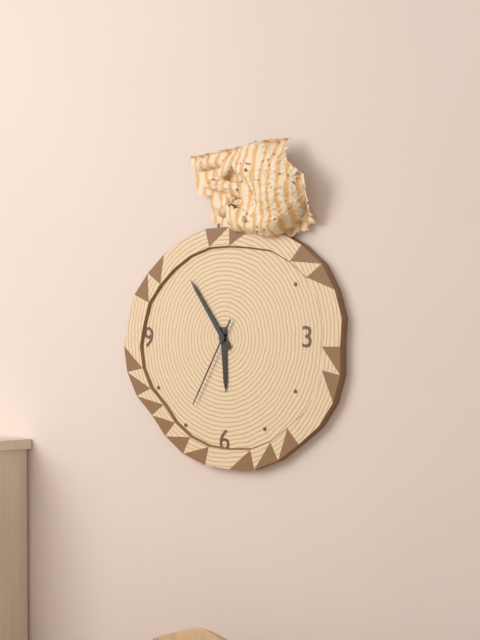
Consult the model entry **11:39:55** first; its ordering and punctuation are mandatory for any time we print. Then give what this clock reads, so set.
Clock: **5:54:35**
